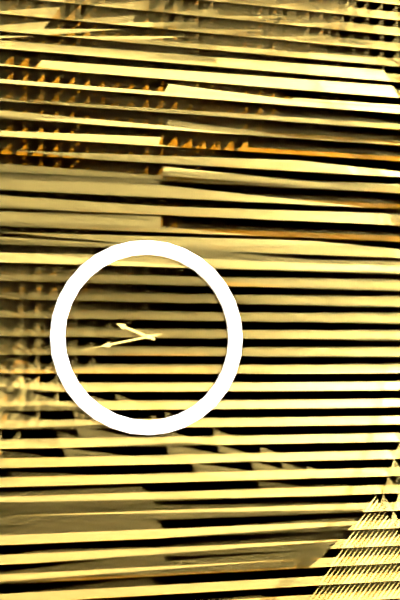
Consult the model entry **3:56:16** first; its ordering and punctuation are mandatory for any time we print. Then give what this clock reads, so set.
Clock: **9:43:43**
